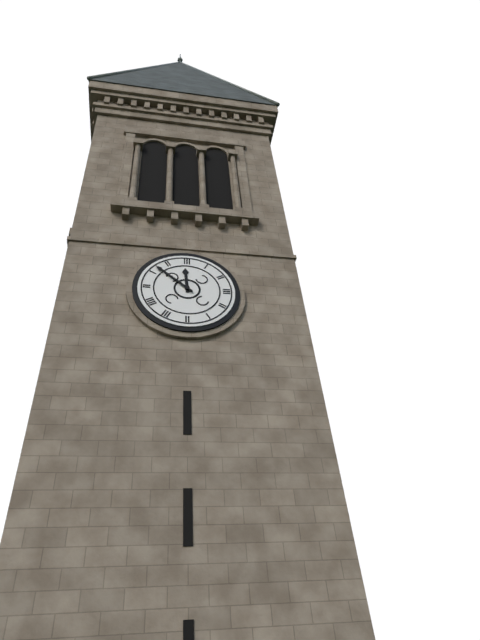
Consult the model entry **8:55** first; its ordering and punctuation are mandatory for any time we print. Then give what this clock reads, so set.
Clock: **11:52**
